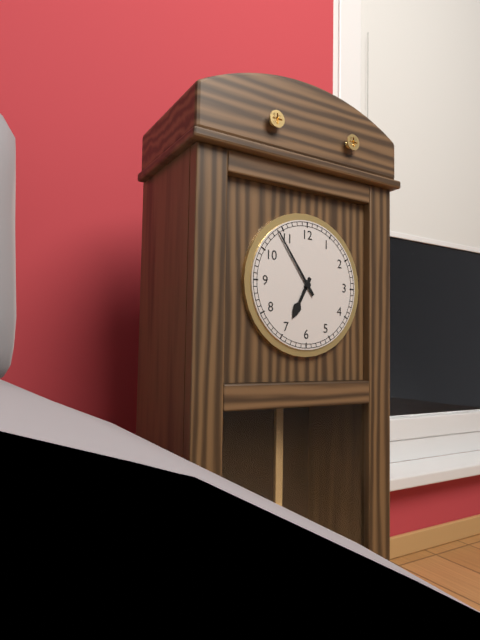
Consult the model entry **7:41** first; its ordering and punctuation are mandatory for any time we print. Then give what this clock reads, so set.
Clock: **6:54**
